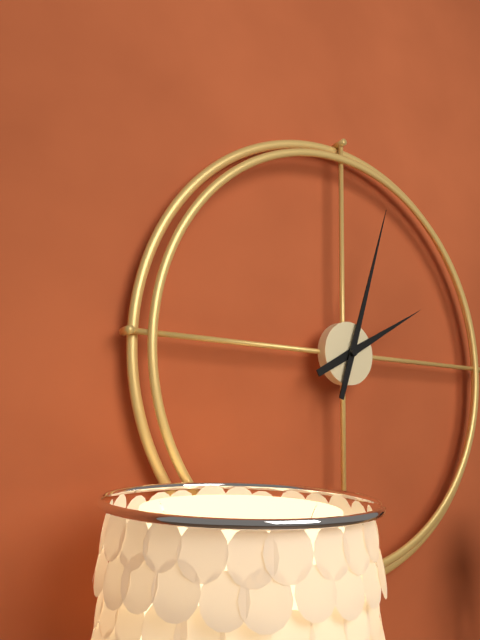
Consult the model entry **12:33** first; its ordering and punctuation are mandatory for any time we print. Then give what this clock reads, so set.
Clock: **2:03**
